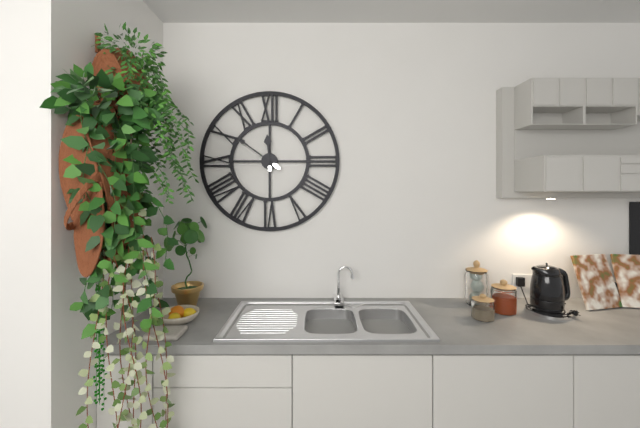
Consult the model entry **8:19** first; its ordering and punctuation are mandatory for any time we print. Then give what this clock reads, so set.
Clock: **11:51**
